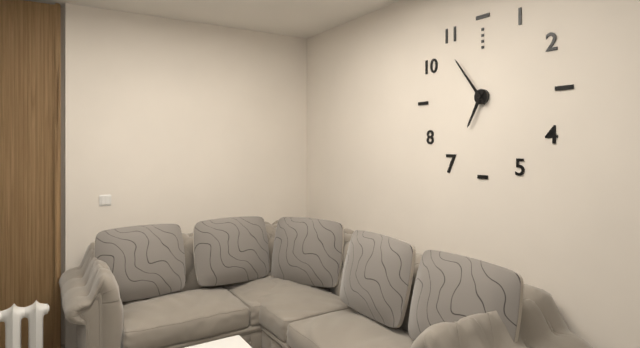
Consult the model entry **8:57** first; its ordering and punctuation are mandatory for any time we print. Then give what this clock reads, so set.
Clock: **6:54**
